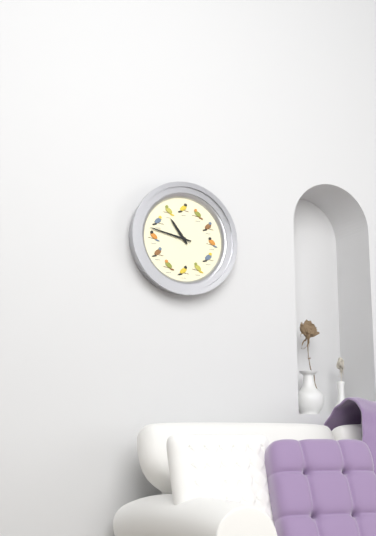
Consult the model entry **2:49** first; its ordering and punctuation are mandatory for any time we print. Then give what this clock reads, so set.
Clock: **10:47**
